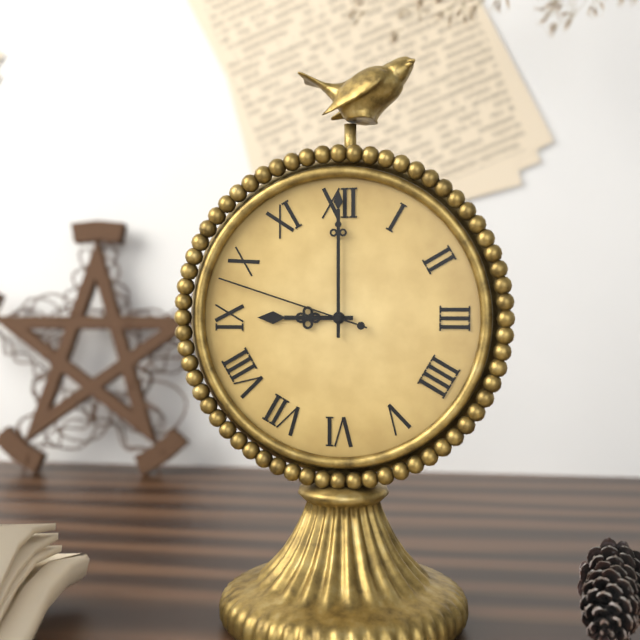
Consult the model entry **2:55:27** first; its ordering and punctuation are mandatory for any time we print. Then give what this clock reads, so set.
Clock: **9:00:48**
